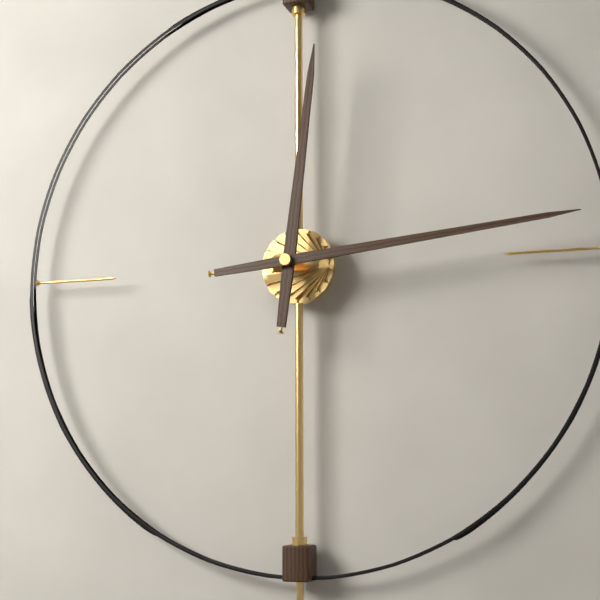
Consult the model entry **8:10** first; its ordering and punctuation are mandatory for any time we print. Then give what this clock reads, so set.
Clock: **12:14**
